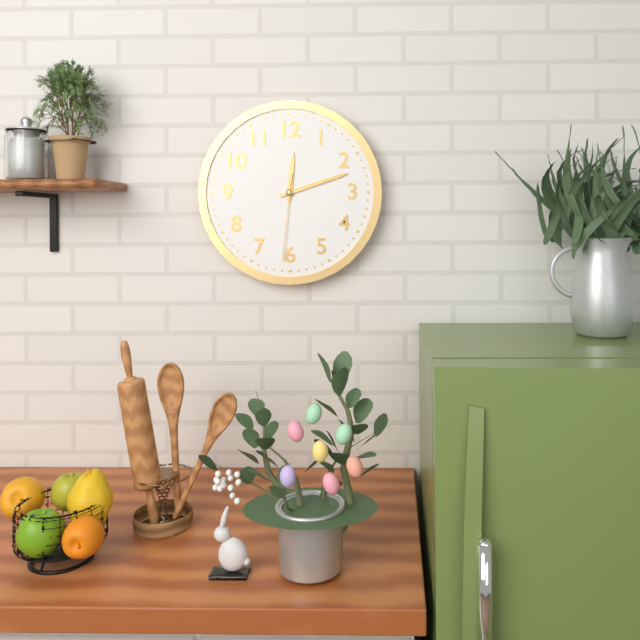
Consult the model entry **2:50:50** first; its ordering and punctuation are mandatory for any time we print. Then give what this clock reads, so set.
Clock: **12:12:31**
